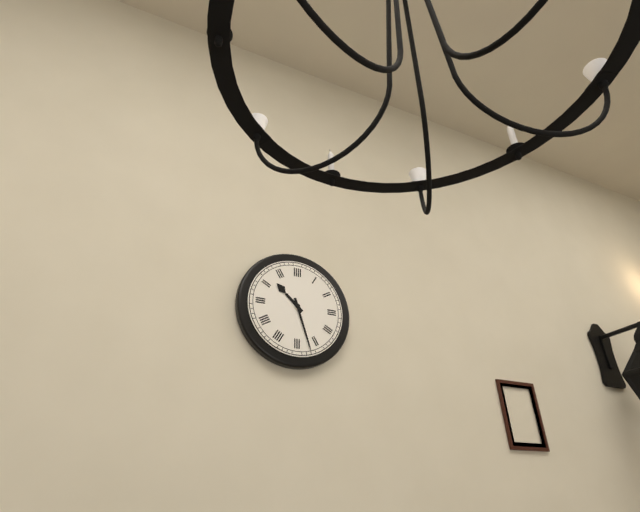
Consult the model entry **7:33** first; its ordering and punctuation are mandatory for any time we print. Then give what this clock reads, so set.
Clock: **10:27**
